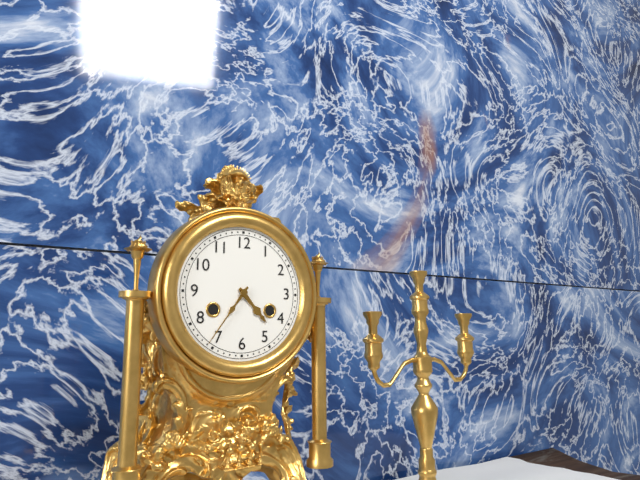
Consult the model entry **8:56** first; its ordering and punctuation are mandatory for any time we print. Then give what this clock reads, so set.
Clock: **4:36**
